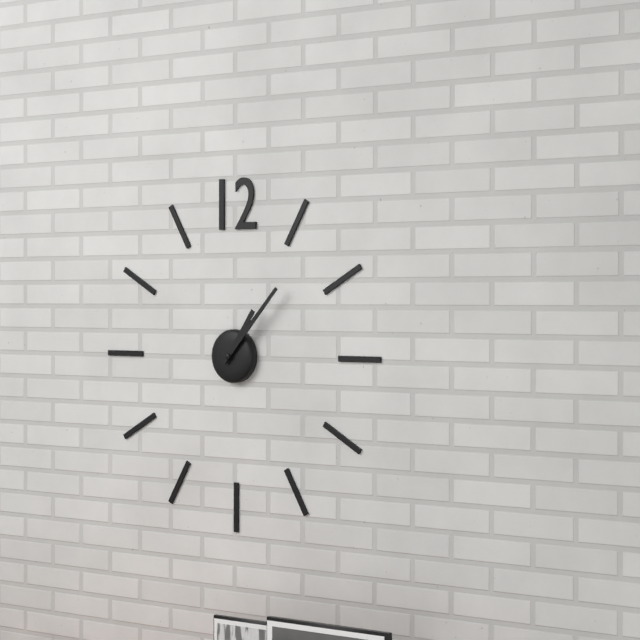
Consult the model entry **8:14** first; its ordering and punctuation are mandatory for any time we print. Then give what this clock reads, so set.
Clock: **1:07**
